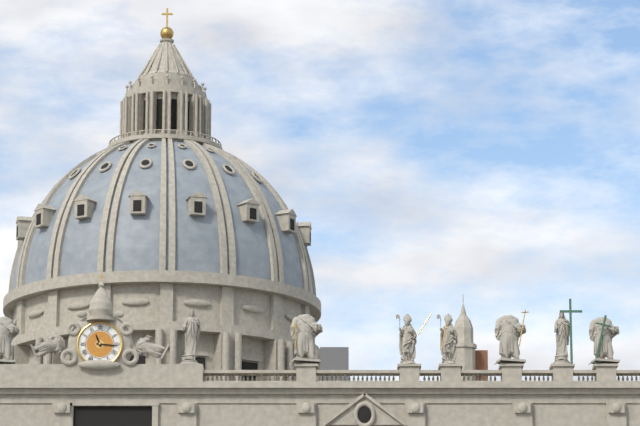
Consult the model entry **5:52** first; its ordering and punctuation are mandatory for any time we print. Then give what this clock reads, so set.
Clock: **11:16**
